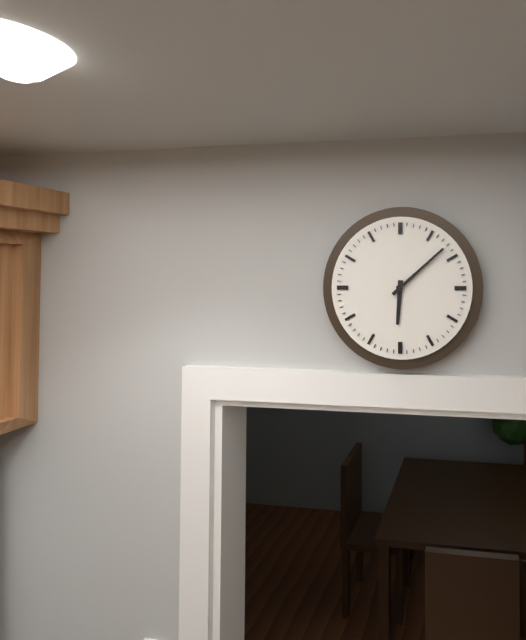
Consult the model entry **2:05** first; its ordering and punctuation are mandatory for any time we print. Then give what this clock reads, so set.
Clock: **6:08**
